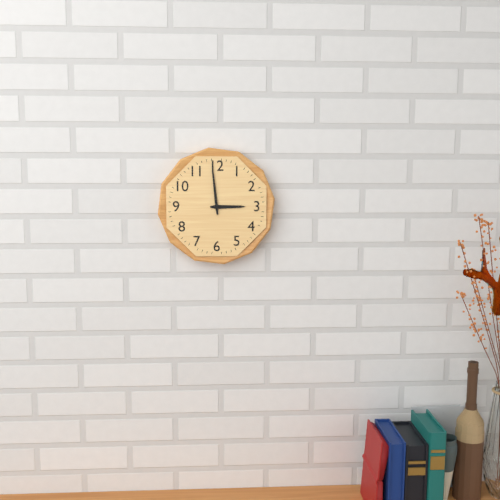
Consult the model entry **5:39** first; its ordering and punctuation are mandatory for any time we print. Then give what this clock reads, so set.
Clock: **2:59**
